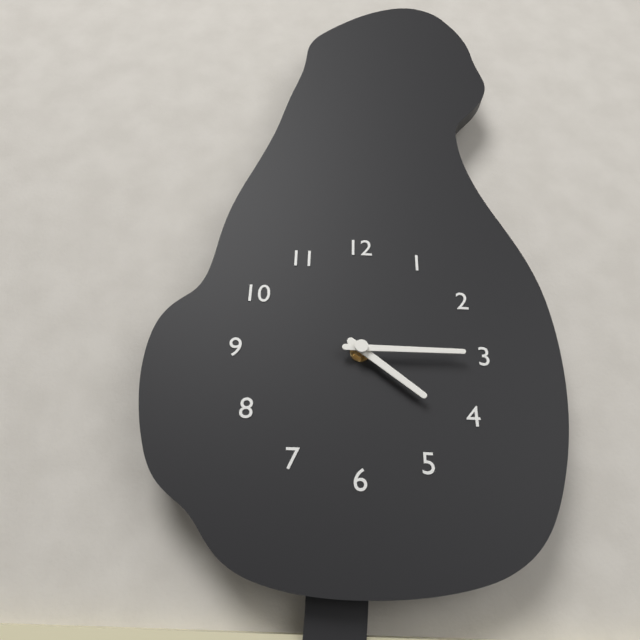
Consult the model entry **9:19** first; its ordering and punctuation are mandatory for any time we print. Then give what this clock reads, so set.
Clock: **4:15**
